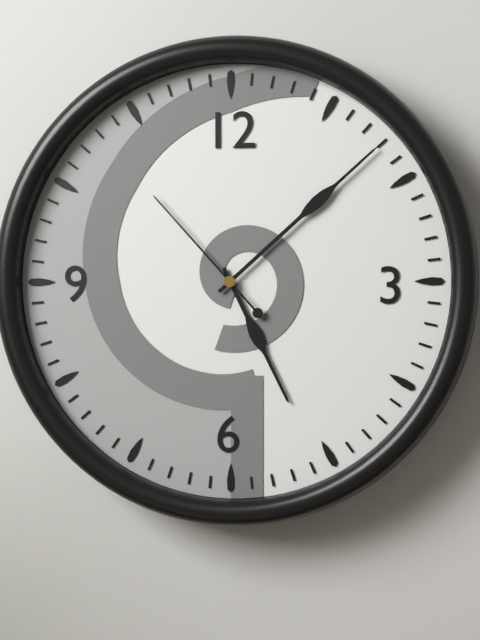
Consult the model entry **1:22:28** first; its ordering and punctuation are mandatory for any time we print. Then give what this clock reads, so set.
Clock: **5:08:53**
